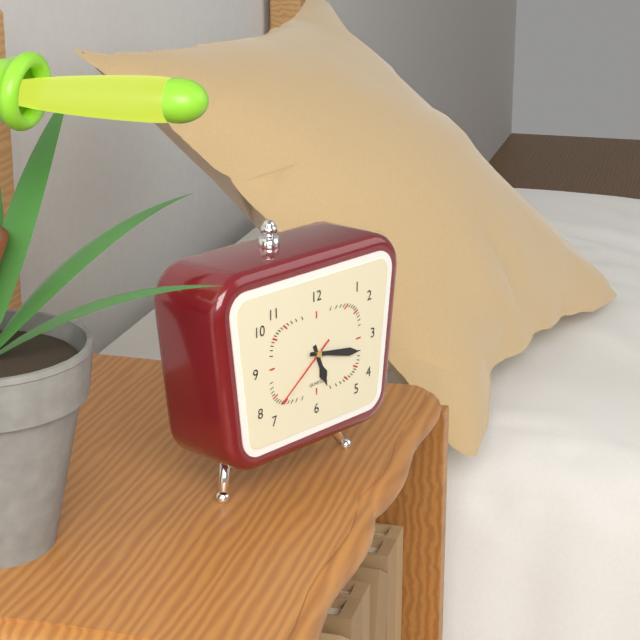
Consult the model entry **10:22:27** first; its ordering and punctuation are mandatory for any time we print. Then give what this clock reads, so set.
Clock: **5:17:39**
